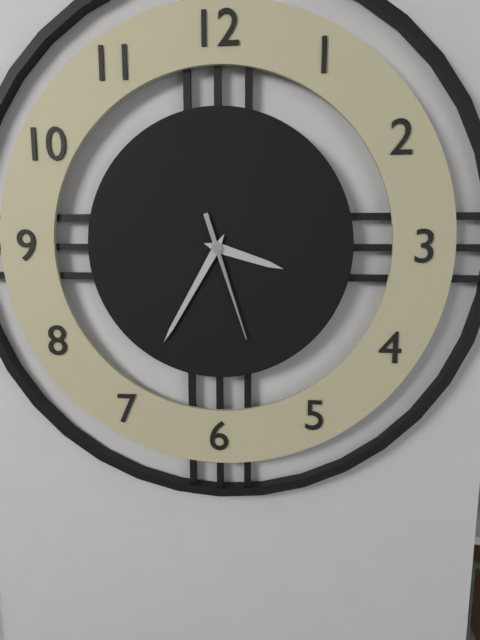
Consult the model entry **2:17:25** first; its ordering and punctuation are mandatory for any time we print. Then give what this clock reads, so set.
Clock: **3:35:27**
